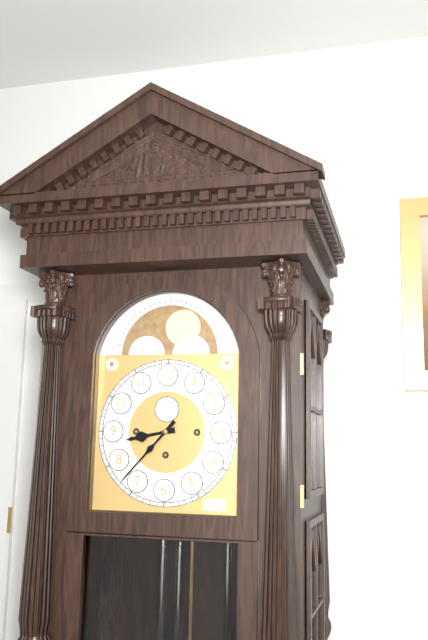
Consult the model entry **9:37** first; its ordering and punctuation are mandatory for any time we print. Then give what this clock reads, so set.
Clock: **8:37**
